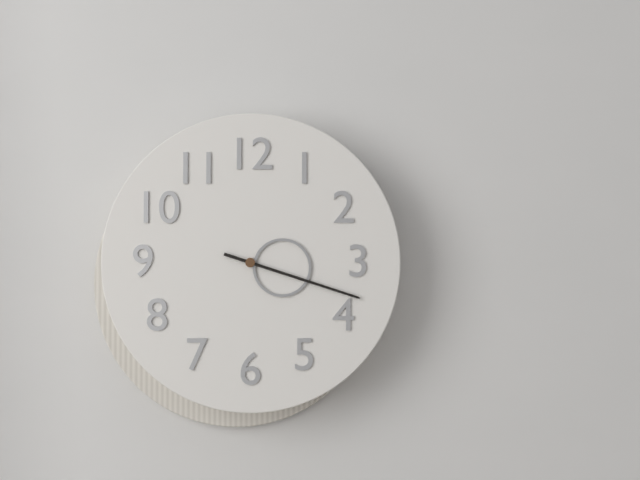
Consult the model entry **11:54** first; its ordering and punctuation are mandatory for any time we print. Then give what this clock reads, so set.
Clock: **3:18**
